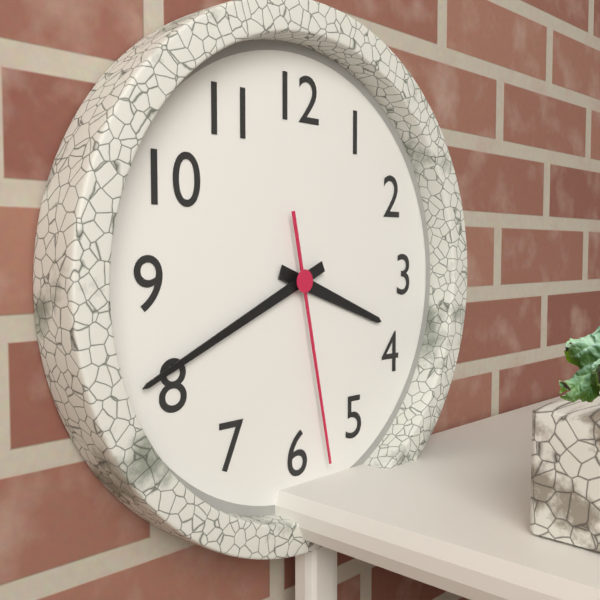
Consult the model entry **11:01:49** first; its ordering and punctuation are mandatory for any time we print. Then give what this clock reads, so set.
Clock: **3:41:28**
